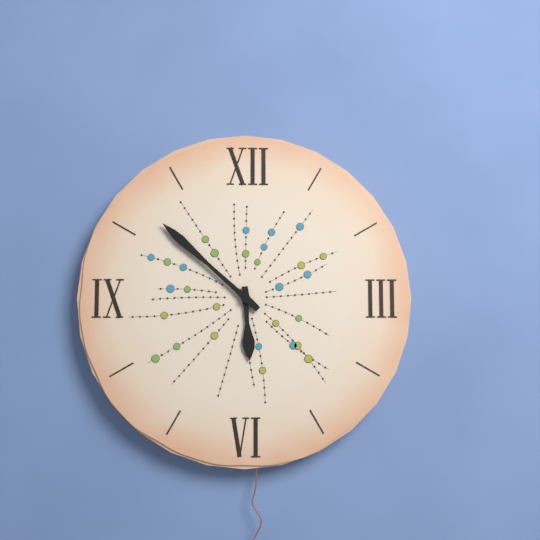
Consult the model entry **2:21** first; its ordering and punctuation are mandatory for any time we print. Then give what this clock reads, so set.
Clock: **5:52**
